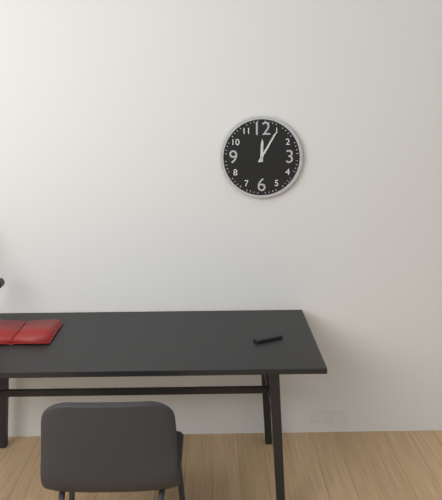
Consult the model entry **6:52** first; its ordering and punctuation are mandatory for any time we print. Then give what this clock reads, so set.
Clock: **12:05**
